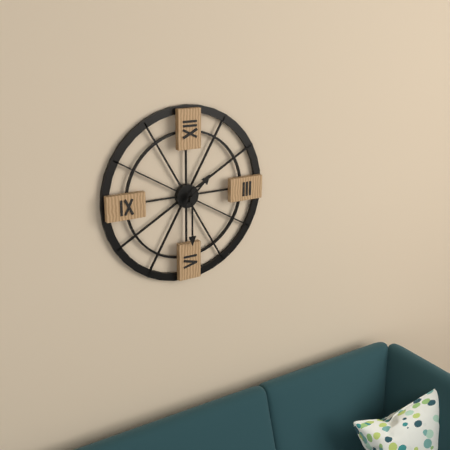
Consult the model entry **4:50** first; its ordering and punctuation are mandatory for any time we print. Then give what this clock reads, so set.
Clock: **1:30**
